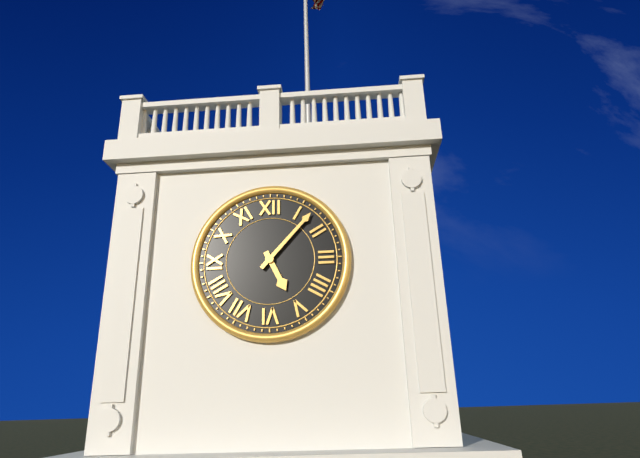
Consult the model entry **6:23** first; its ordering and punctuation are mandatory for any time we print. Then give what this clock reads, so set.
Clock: **5:07**
